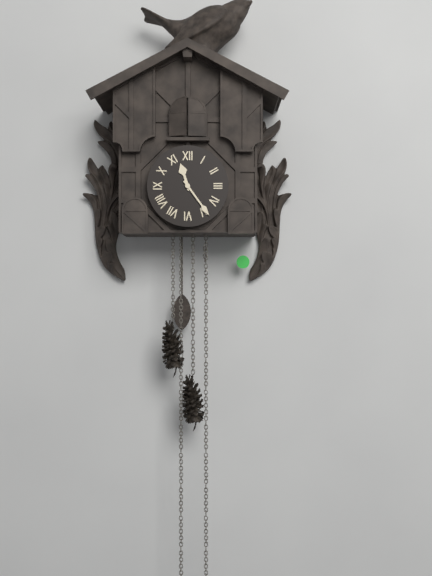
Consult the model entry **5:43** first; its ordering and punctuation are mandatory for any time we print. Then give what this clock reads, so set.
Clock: **11:24**
